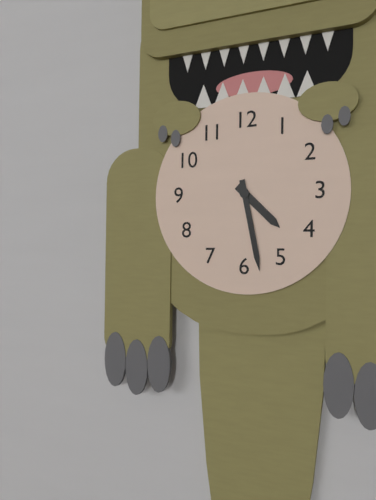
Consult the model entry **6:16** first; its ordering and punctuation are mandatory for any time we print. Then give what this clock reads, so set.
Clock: **4:28**
